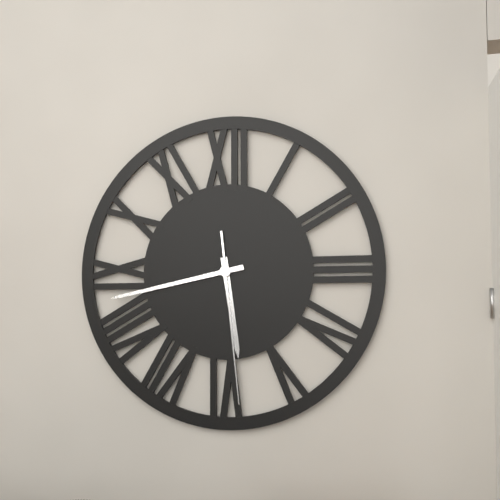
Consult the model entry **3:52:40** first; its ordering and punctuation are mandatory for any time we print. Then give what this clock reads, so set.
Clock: **5:43:29**
